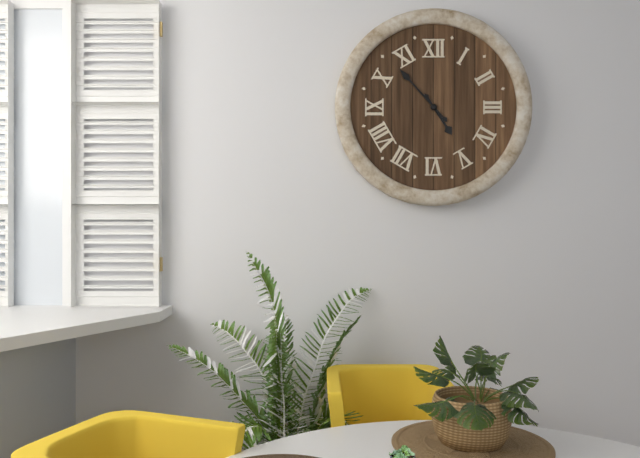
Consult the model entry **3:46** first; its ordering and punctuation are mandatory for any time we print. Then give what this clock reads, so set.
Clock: **4:53**
